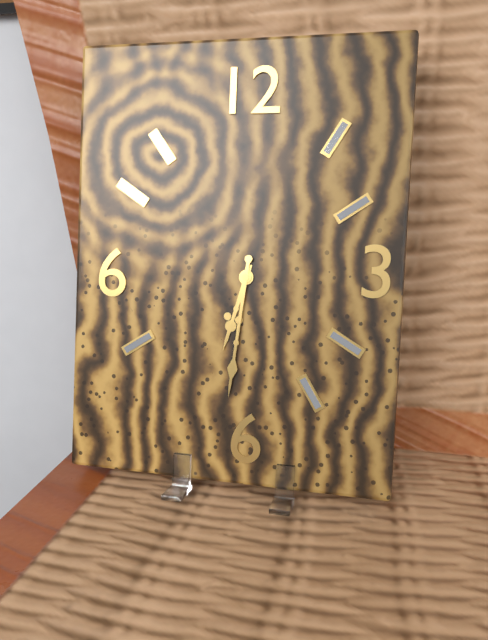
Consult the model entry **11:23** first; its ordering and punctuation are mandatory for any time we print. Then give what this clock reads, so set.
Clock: **6:31**
